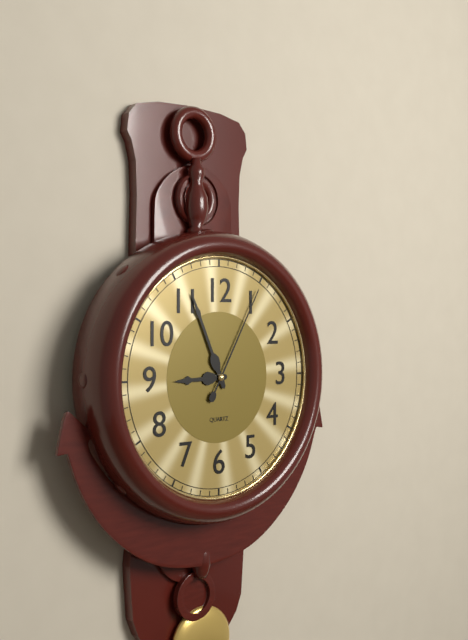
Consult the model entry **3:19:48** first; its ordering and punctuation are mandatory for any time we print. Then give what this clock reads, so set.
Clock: **8:56:05**
